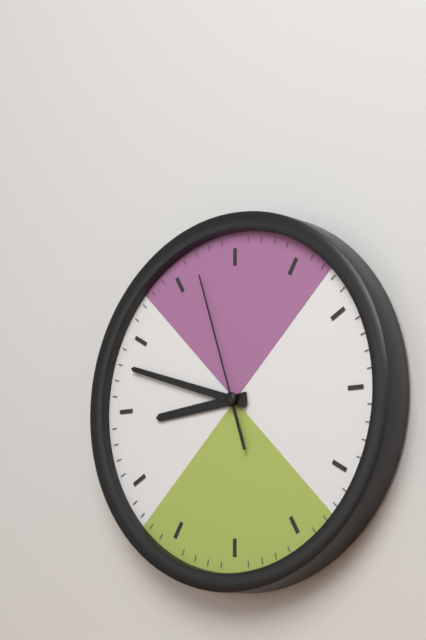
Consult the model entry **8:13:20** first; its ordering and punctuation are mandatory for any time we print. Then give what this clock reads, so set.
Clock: **8:48:57**
